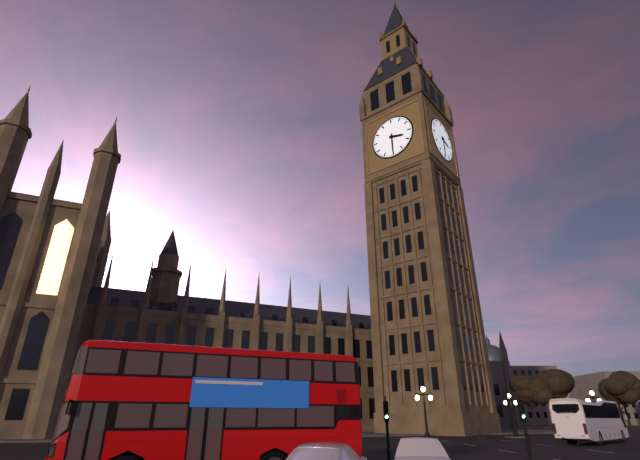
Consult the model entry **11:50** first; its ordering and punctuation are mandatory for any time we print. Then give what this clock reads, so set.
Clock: **3:30**
